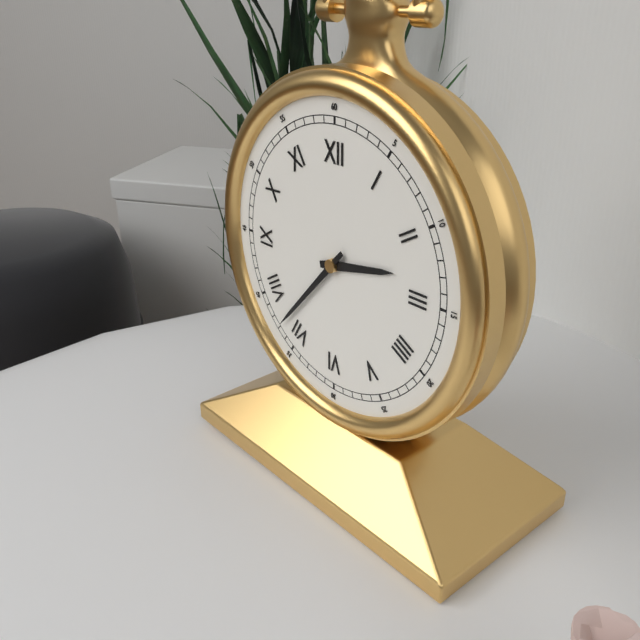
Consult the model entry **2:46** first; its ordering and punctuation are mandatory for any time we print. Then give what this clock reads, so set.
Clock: **2:37**
